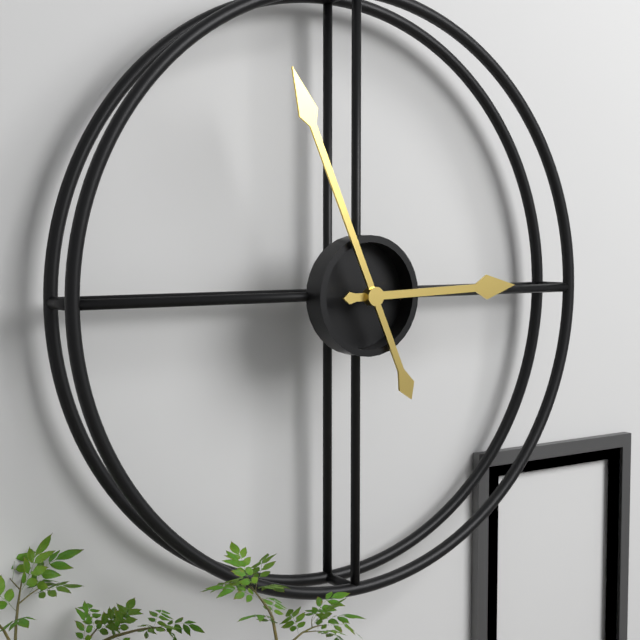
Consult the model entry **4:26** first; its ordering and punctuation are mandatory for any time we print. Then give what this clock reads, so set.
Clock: **2:56**
